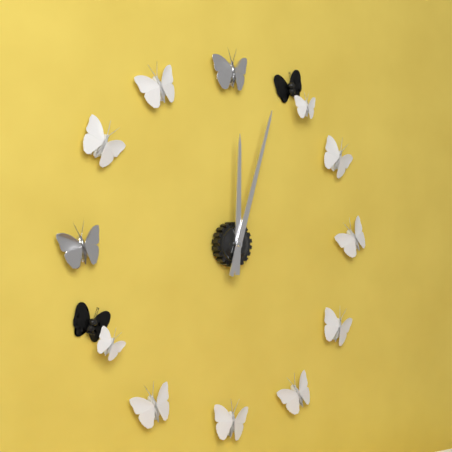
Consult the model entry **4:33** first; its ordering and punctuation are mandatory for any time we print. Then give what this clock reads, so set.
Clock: **12:03**
